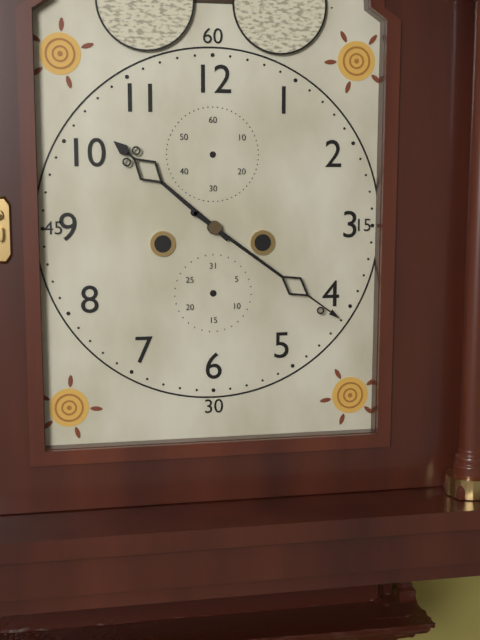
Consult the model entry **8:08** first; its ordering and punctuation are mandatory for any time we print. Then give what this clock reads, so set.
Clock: **10:21**
